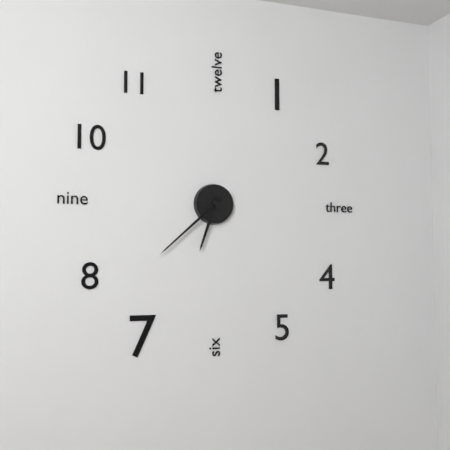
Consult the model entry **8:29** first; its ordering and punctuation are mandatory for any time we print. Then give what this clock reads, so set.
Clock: **6:38**
